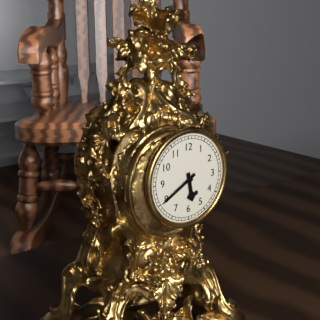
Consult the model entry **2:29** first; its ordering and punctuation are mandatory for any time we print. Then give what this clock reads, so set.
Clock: **5:40**
